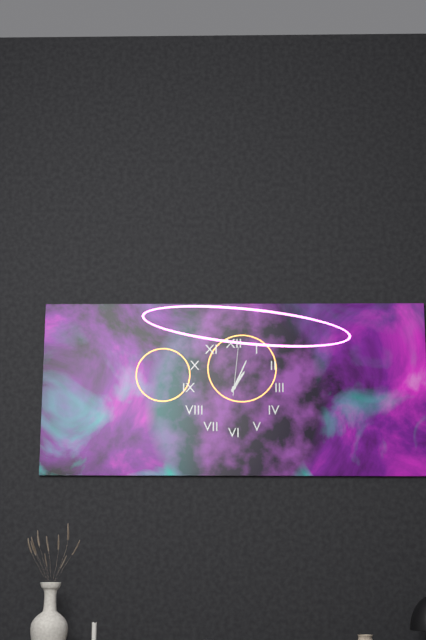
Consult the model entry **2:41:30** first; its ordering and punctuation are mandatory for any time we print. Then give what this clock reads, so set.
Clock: **1:04:01**
